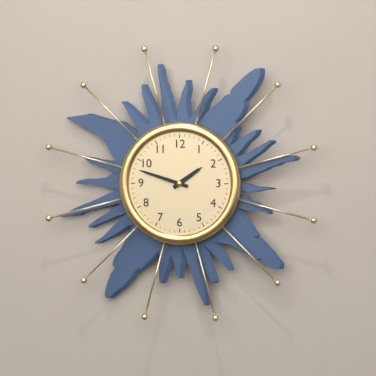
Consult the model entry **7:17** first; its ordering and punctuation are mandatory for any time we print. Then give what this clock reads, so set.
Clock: **1:48**
